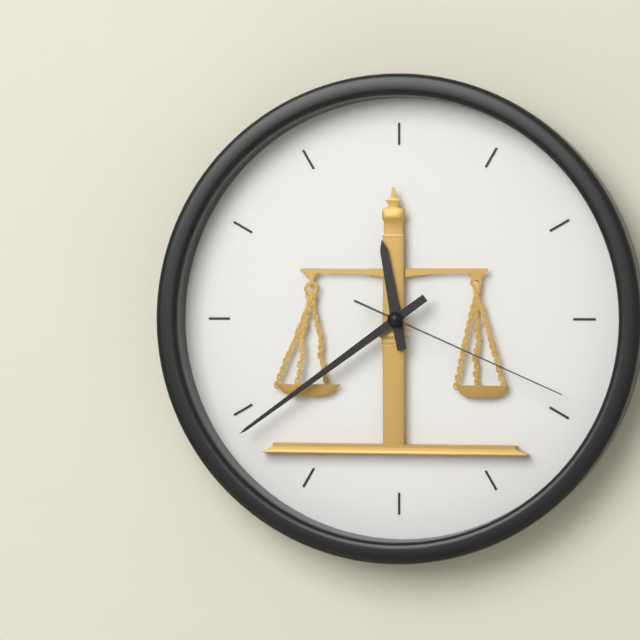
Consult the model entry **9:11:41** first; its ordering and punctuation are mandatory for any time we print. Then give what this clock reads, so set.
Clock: **11:39:19**
